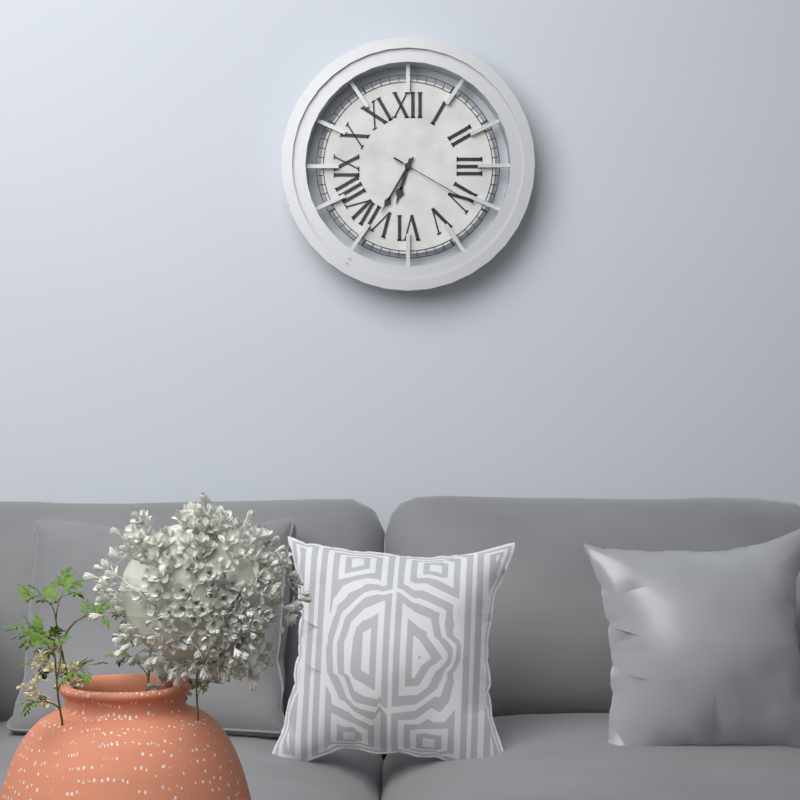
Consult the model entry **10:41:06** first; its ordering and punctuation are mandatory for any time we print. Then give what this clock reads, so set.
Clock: **6:35:20**
